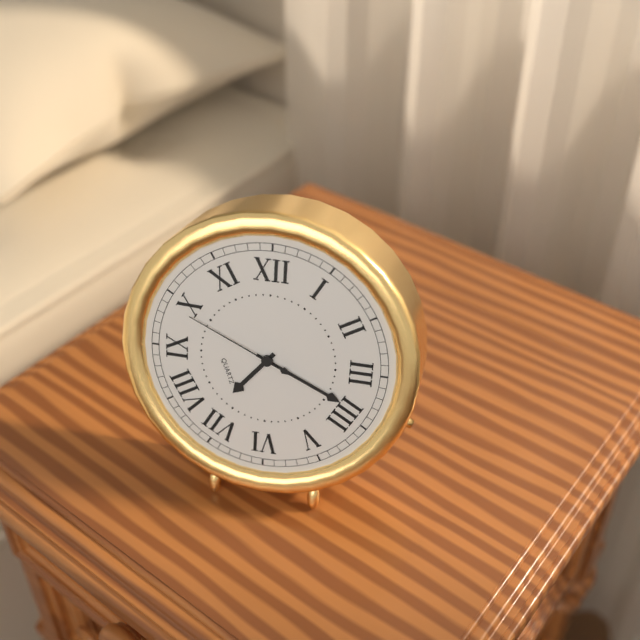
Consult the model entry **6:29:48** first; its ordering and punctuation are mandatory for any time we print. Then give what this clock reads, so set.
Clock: **7:19:49**
